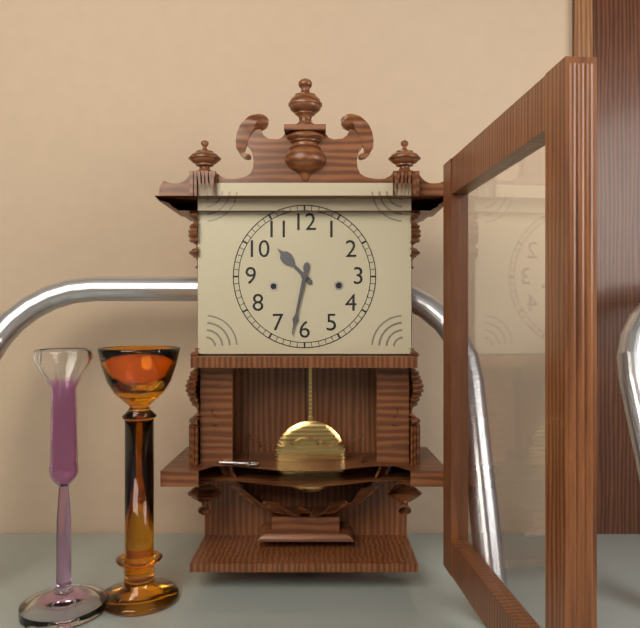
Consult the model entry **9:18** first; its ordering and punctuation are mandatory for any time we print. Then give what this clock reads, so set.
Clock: **10:32**
